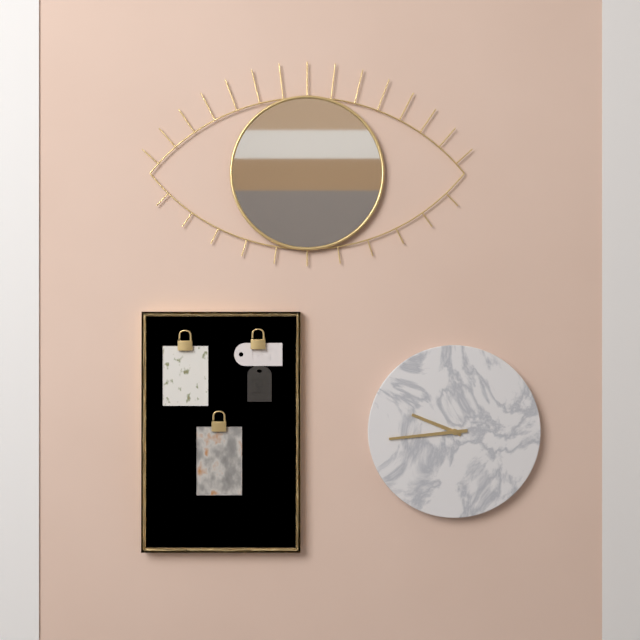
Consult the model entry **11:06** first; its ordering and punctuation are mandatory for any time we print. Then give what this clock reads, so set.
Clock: **9:44**
